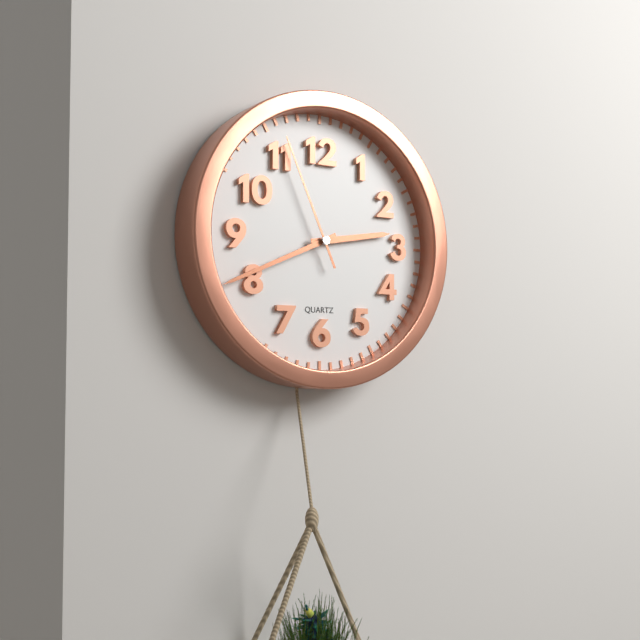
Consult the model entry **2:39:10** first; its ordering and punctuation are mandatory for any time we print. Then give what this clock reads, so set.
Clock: **2:41:56**
